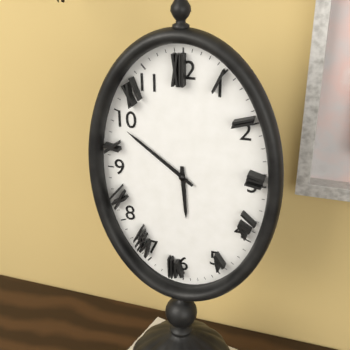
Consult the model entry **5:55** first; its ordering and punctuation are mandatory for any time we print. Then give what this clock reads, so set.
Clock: **5:51**
